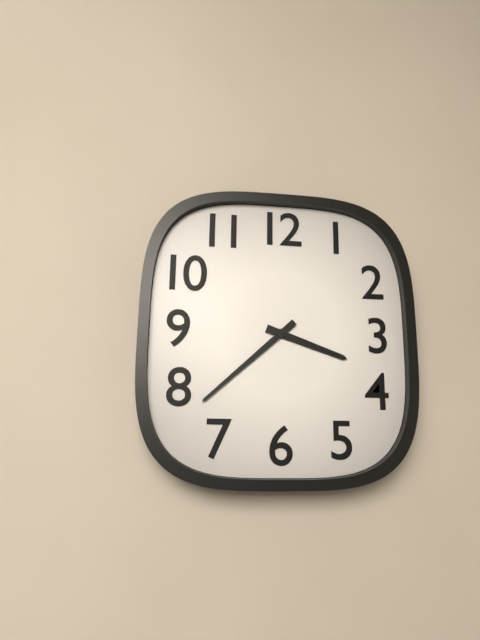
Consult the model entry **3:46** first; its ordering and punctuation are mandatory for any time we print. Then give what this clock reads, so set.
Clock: **3:38**
